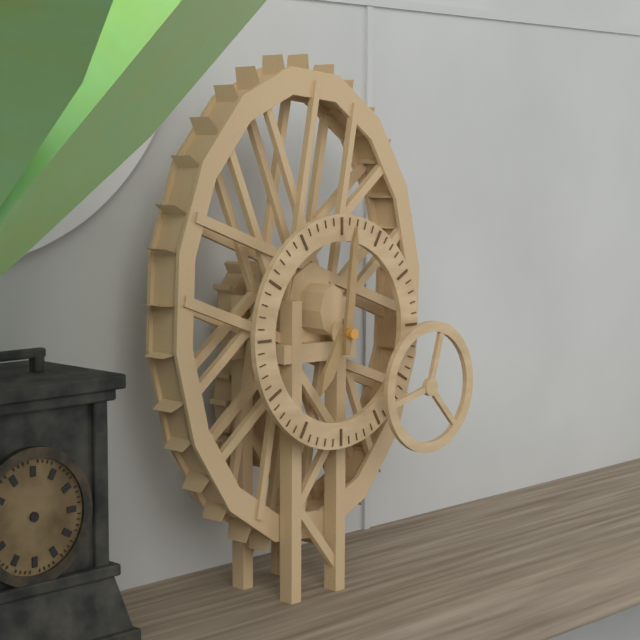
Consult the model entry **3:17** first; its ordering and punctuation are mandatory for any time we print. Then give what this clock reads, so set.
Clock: **7:01**
